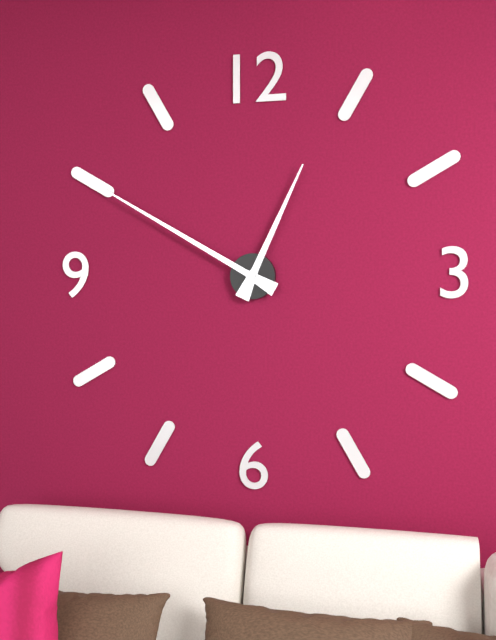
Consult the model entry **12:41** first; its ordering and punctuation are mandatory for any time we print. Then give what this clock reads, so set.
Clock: **12:50**
